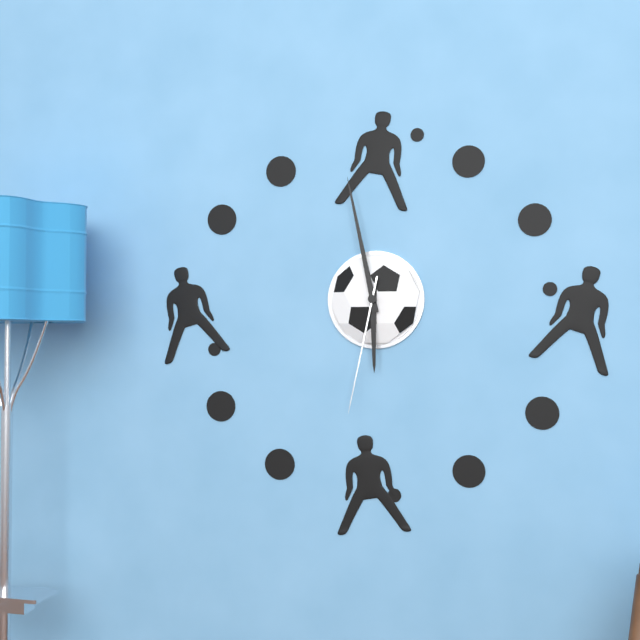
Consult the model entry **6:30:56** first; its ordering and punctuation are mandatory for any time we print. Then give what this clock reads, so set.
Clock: **5:58:32**
